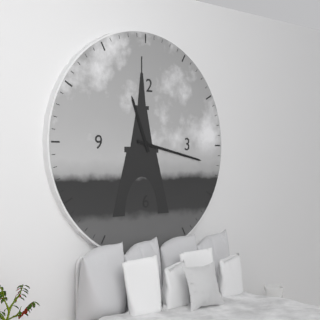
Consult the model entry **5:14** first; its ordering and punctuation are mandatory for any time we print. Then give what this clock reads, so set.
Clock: **11:17**
